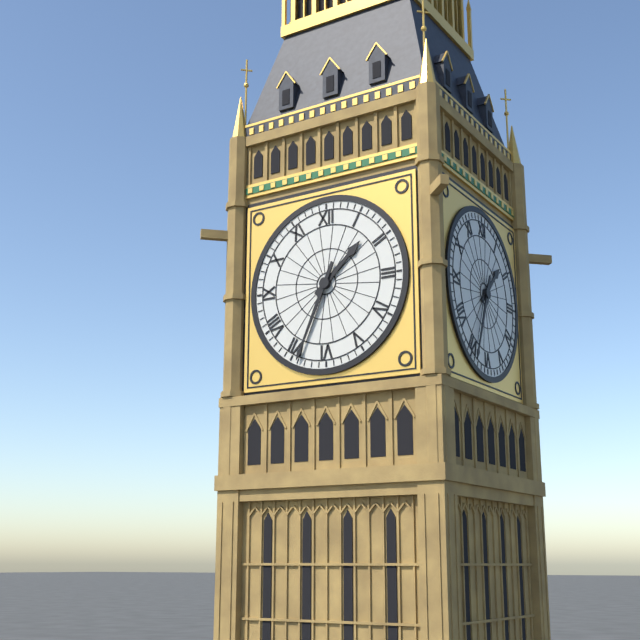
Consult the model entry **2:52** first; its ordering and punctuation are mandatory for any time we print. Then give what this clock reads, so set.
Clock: **1:34**
